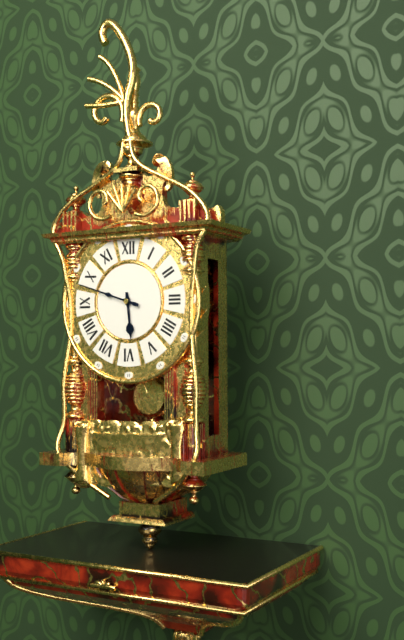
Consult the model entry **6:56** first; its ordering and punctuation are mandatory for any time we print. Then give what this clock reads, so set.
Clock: **5:48**
